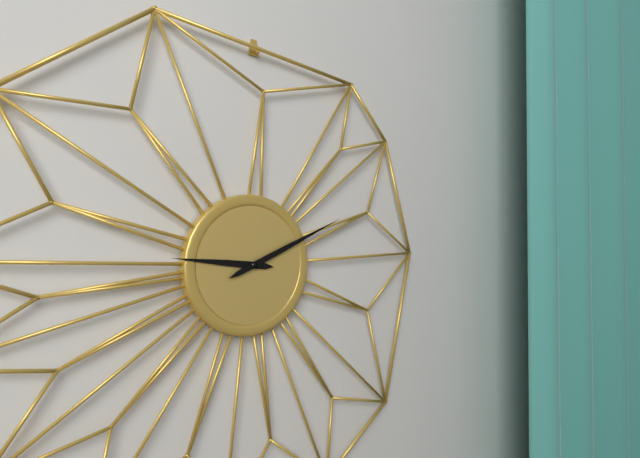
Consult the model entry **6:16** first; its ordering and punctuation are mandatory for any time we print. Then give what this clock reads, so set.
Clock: **9:11**
